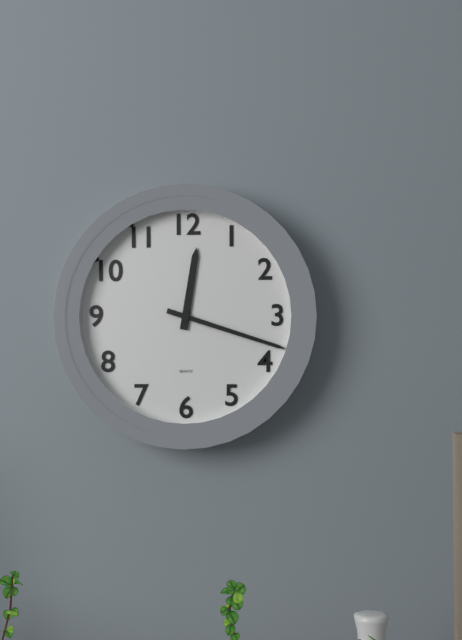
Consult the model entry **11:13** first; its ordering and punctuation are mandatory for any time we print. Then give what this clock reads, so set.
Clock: **12:18**
